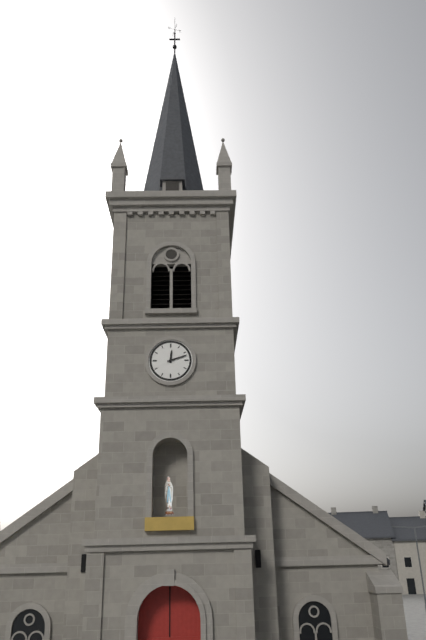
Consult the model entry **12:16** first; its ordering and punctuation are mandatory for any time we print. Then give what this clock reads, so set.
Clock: **12:12**
